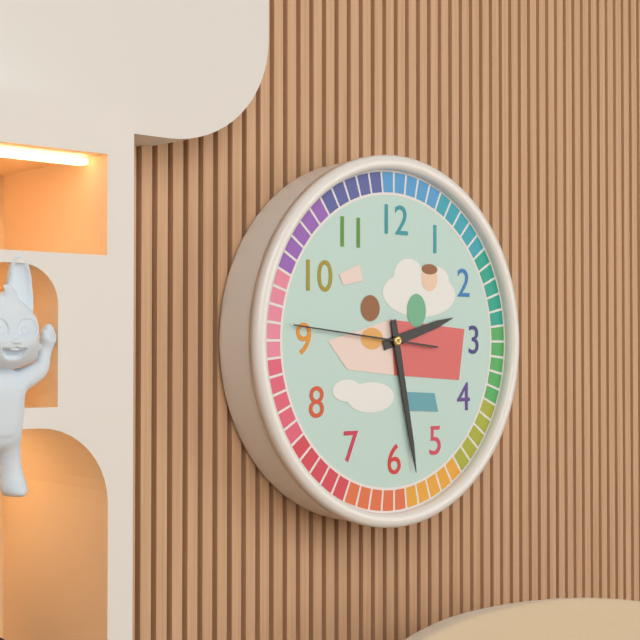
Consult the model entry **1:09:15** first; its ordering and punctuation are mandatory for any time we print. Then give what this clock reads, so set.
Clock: **2:28:46**
